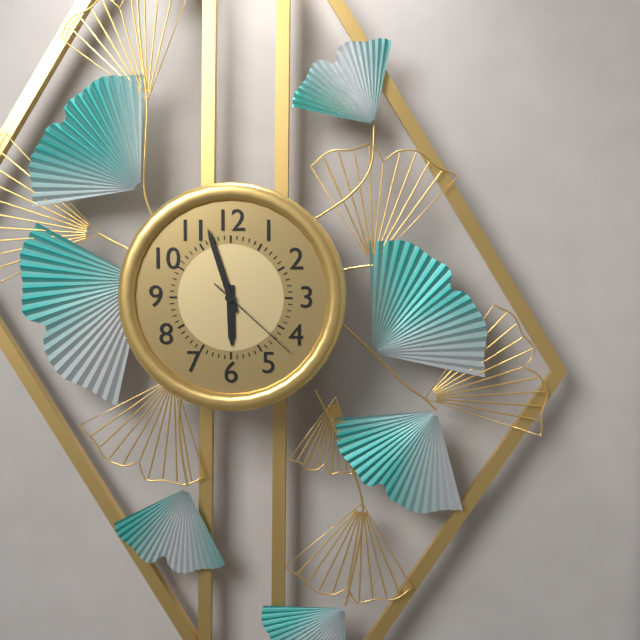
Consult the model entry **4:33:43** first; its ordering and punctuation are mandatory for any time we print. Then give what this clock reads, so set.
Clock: **5:57:22**
